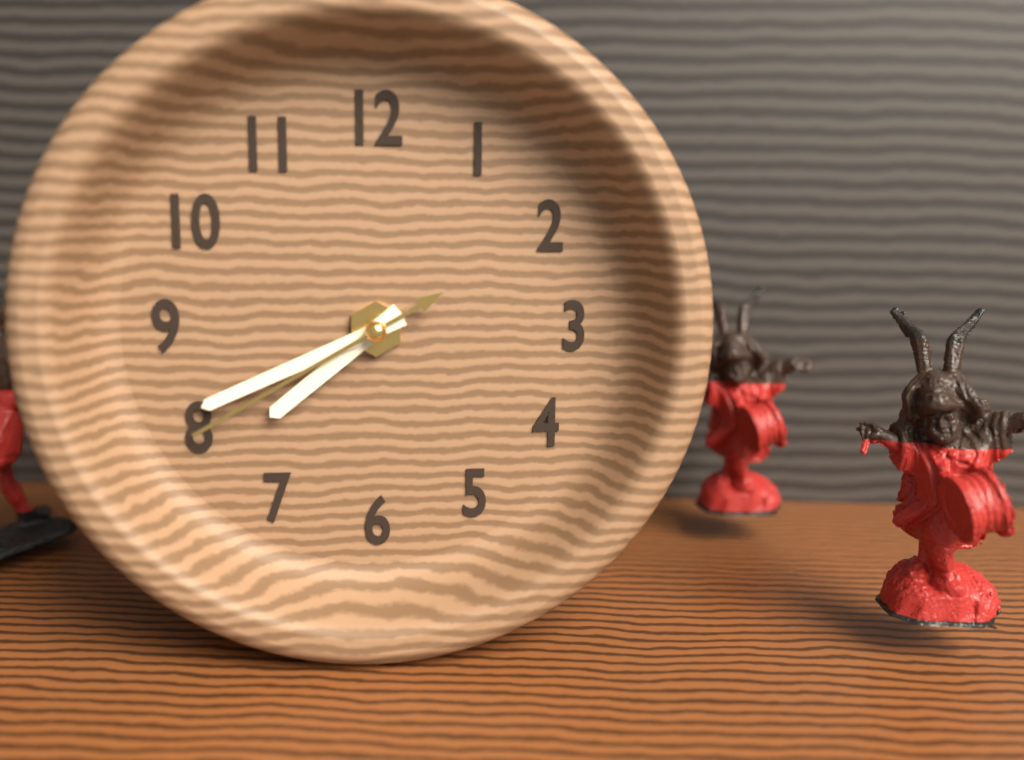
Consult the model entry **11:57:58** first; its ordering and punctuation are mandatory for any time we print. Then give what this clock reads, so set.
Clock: **7:41:40**
